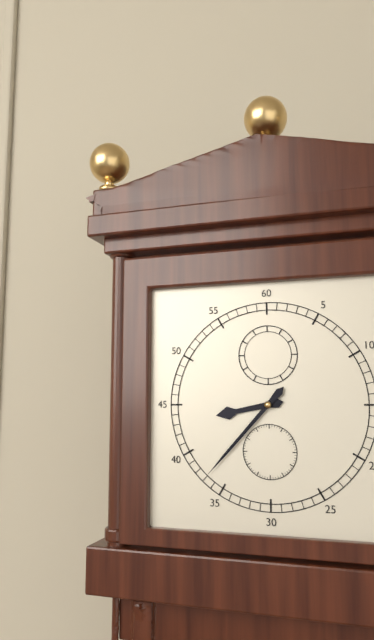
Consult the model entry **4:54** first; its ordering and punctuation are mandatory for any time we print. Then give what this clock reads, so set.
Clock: **8:37**
